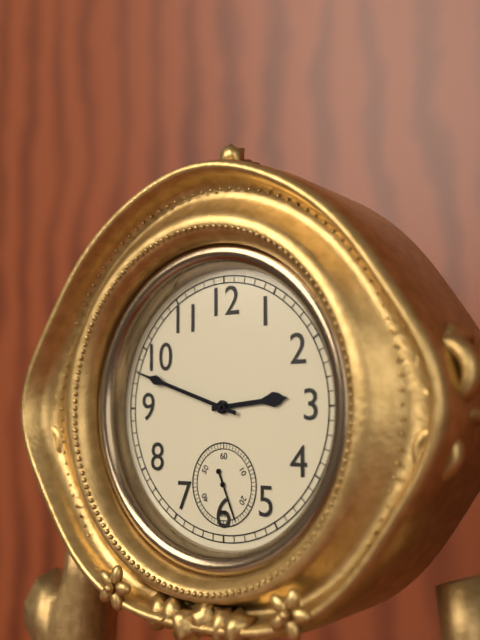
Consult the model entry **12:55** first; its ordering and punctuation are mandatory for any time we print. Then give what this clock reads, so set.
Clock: **2:48**
